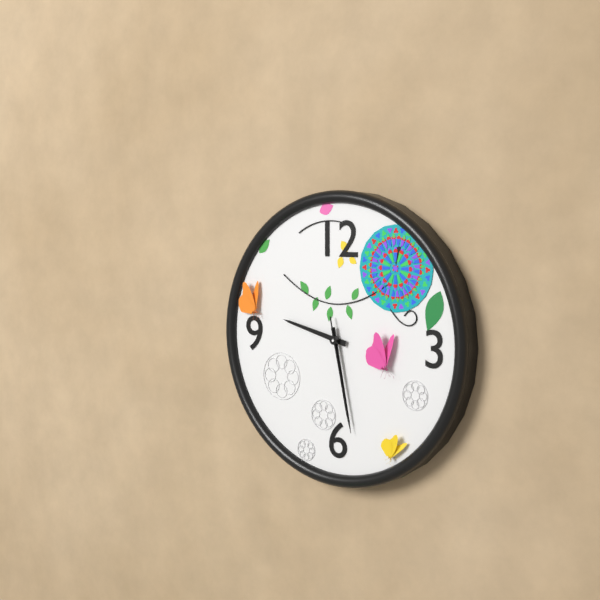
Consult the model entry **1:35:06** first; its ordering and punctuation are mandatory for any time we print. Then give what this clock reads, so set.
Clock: **9:28:28**
